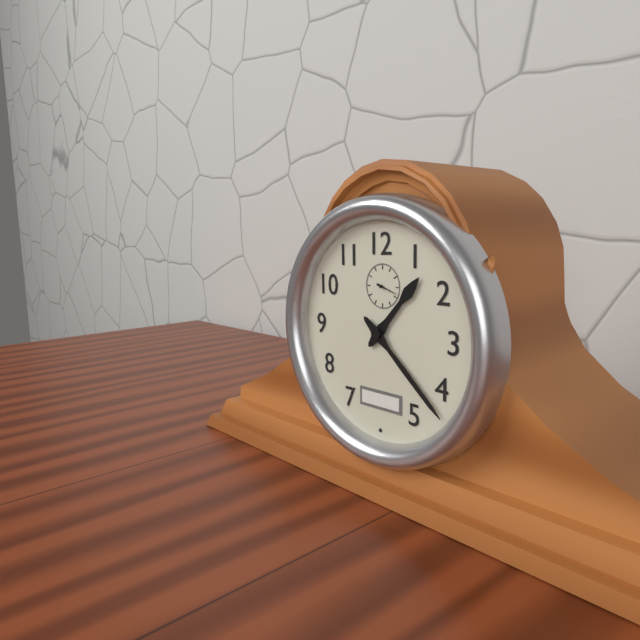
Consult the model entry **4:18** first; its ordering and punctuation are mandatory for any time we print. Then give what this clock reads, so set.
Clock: **1:22**
